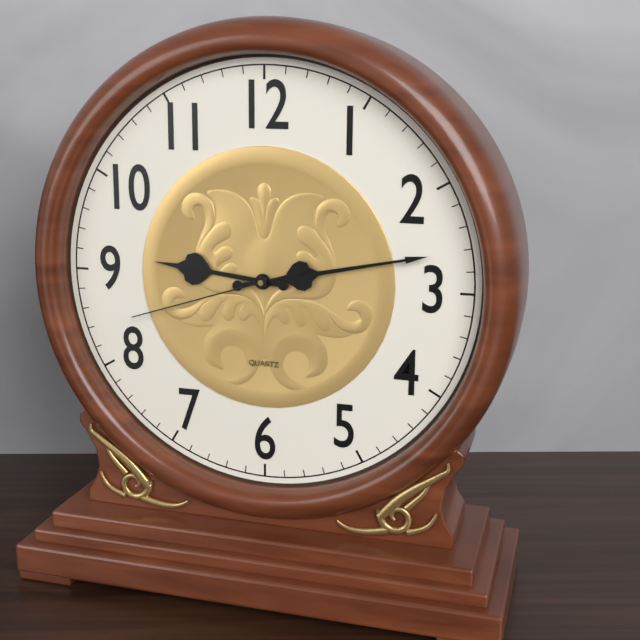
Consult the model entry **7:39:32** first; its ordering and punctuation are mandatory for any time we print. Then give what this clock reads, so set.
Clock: **9:13:42**
